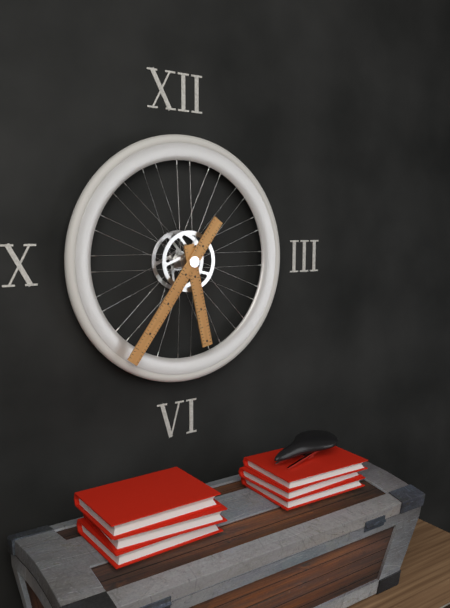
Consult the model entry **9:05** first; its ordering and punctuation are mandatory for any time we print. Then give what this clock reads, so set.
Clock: **5:36**
